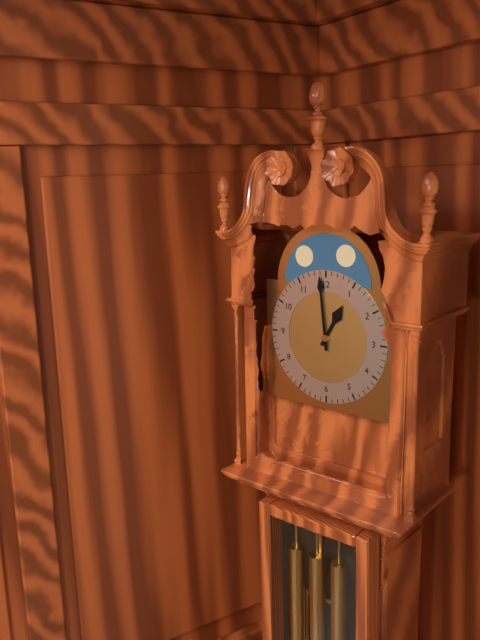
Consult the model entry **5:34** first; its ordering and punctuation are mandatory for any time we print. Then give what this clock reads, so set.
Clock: **12:59**
